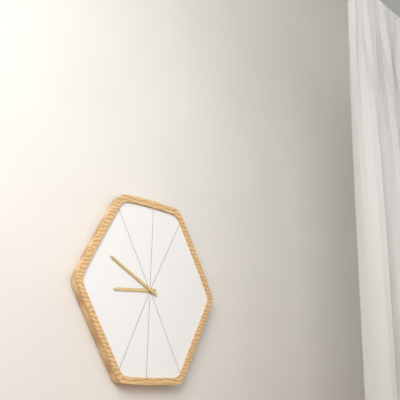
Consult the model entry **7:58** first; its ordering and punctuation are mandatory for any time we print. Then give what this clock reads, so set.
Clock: **8:50**
